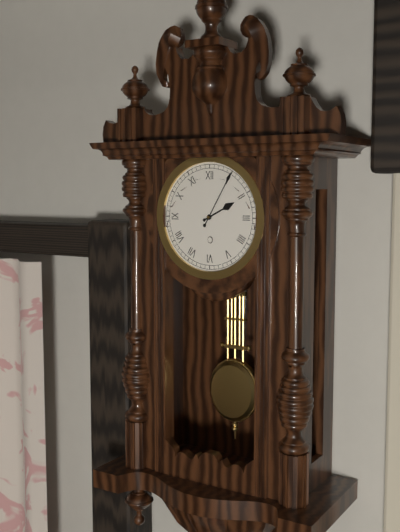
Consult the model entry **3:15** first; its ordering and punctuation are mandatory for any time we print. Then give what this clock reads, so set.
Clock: **2:05**
